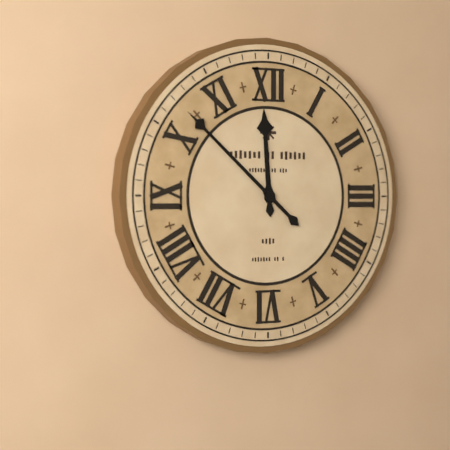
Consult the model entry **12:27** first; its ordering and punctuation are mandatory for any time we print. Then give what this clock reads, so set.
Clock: **11:52**
